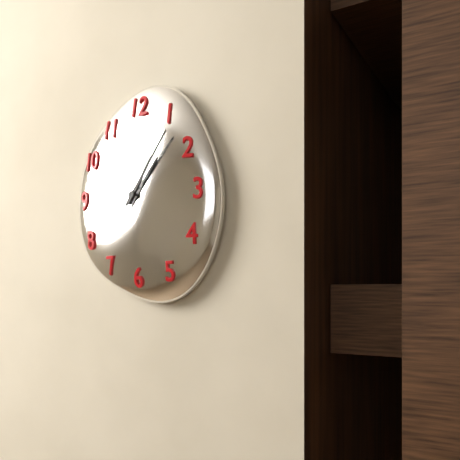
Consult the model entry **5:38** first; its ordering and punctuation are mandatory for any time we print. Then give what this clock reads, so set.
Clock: **1:06**
